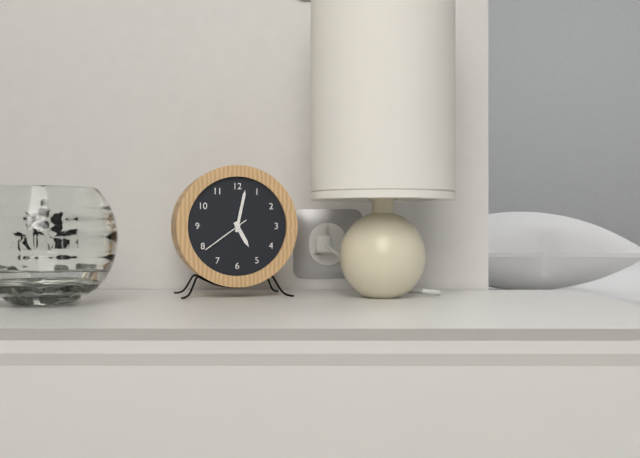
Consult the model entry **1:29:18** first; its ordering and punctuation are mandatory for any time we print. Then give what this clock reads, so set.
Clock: **5:02:39**
